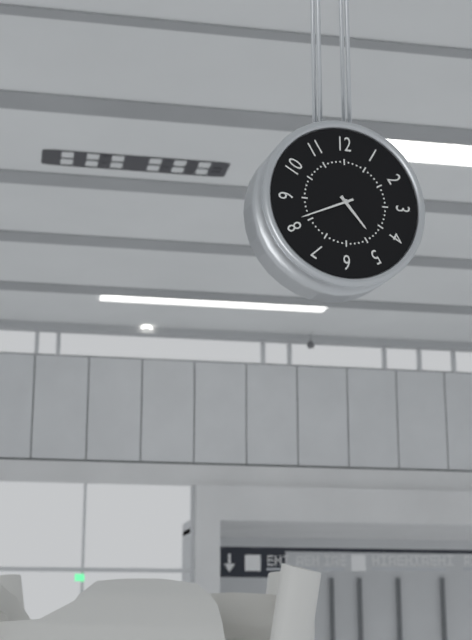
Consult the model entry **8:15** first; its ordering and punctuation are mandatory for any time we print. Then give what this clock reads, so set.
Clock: **4:41**
